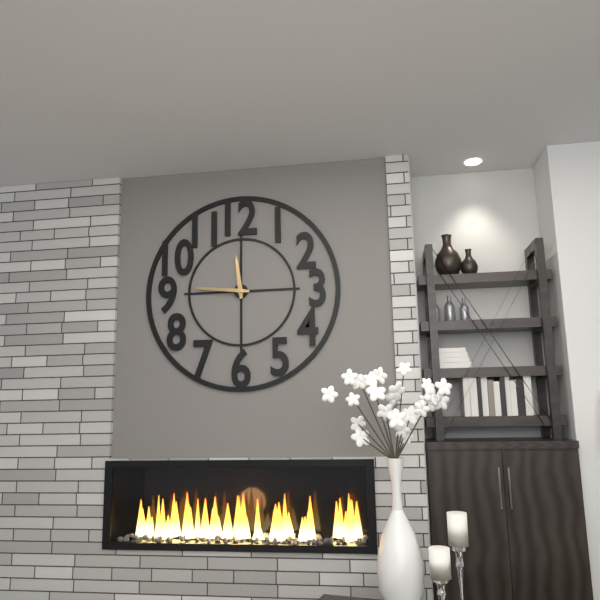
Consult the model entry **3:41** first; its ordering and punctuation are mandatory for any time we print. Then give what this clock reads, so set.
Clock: **11:46**
